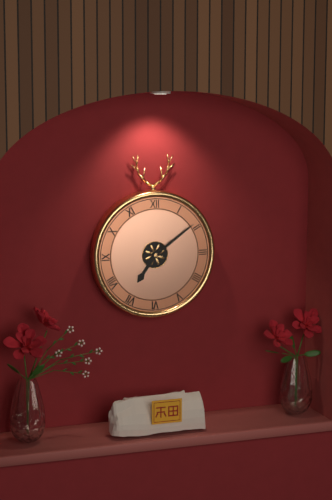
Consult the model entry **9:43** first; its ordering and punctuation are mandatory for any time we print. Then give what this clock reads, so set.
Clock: **7:09**
